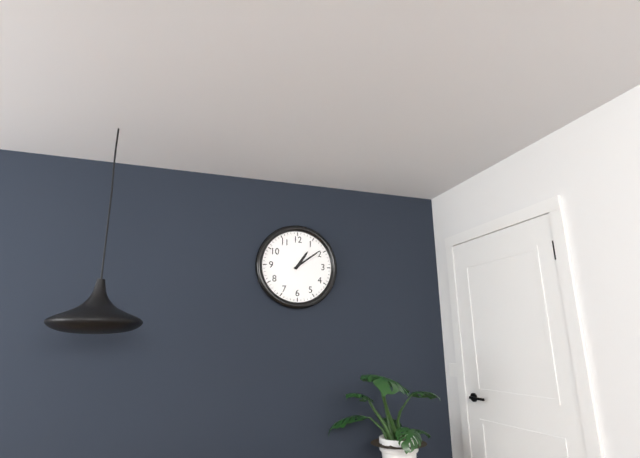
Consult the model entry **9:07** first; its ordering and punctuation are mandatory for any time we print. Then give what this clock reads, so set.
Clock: **1:09**
